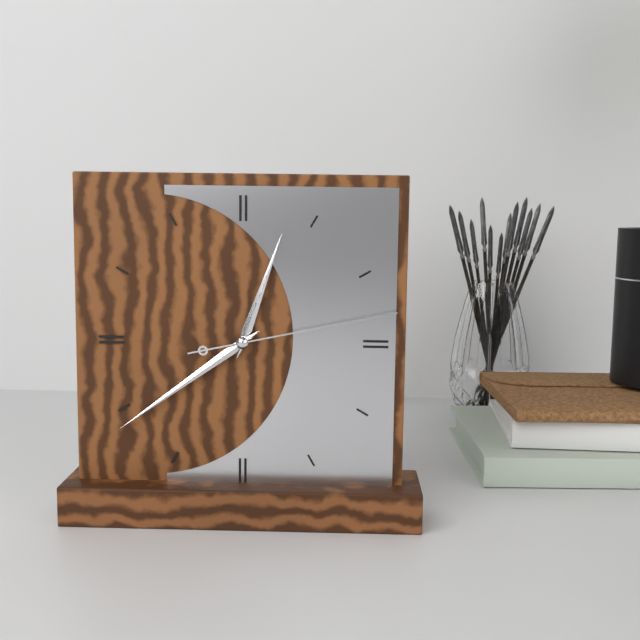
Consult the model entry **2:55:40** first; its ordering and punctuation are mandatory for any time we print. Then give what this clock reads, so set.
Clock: **12:39:13**
